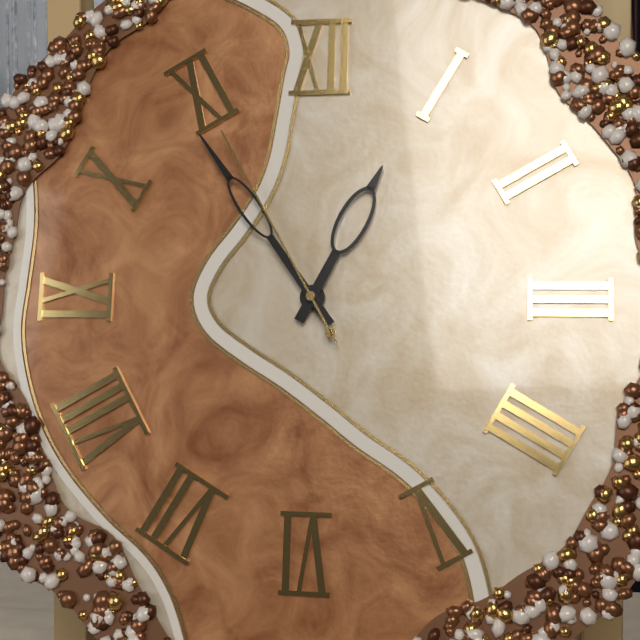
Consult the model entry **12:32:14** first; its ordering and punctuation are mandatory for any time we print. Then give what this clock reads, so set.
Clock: **12:54:55**
